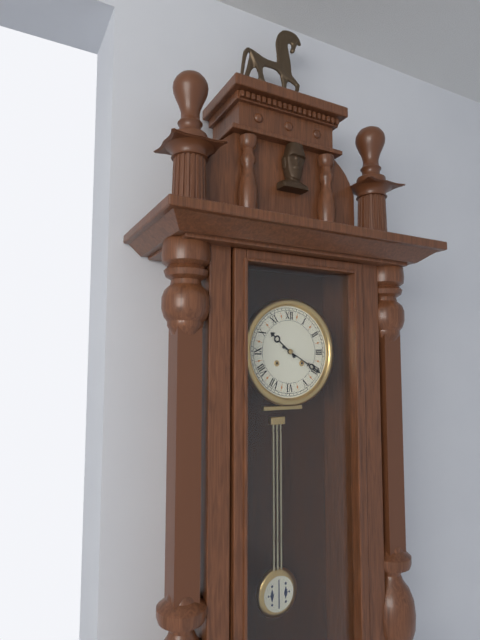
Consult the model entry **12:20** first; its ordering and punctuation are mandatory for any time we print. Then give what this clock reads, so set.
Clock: **10:20**
